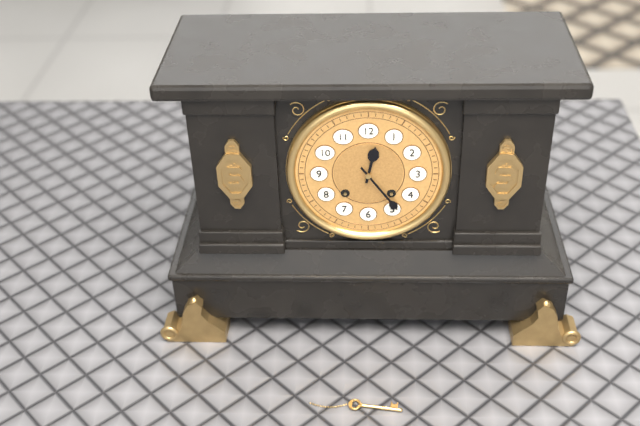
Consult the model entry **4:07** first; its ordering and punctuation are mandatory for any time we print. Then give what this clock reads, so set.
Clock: **12:24**
